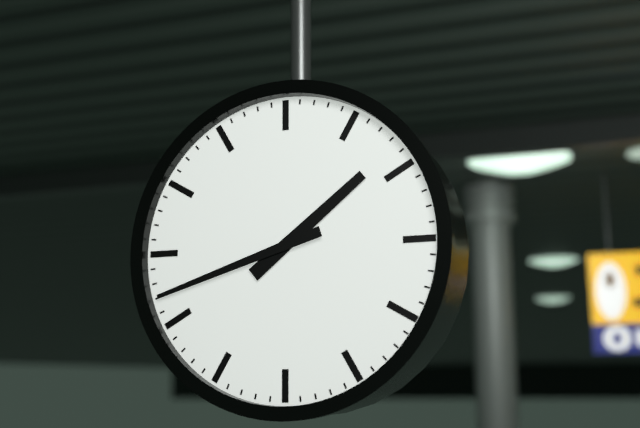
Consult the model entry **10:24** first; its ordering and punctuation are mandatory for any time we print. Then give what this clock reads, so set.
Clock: **1:42**
